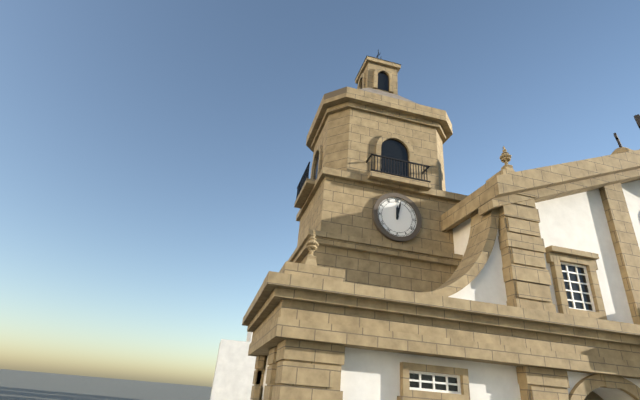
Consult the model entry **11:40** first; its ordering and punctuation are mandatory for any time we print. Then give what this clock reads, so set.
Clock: **12:02**
